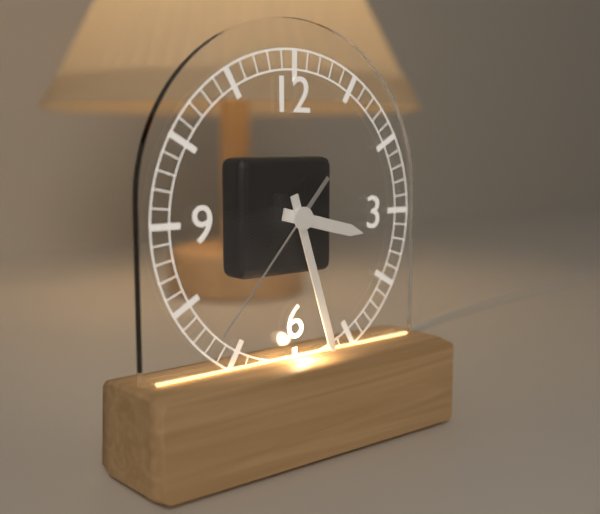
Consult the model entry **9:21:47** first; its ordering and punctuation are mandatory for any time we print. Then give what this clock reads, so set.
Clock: **3:27:37**
